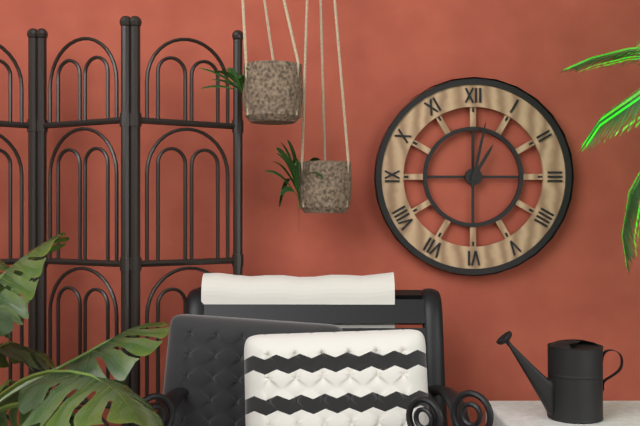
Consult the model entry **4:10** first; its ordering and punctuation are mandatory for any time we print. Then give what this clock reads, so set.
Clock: **1:02**
